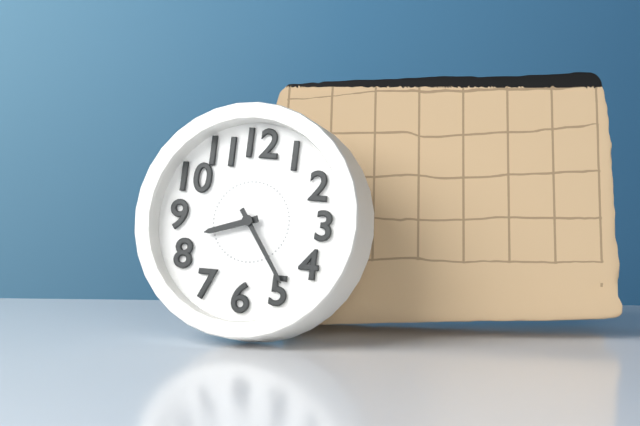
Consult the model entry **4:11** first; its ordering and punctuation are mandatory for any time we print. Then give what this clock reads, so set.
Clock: **8:24**
